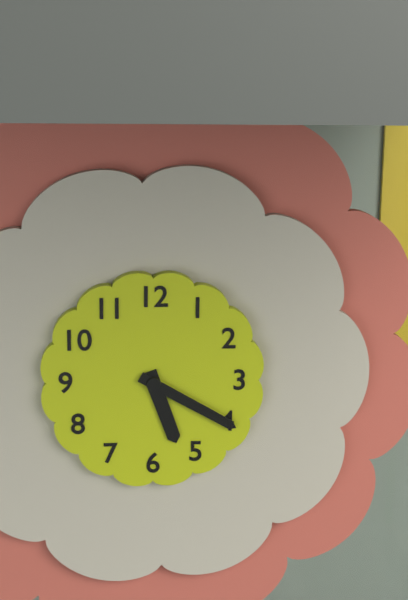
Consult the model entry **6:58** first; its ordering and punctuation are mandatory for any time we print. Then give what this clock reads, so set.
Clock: **5:20**
